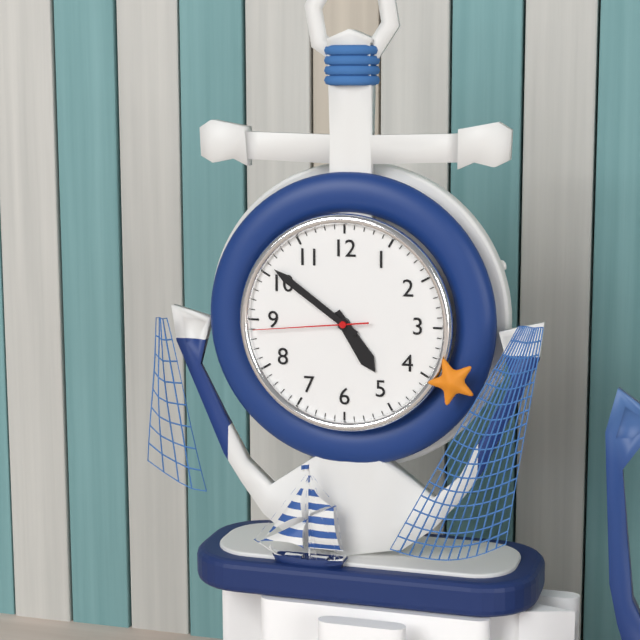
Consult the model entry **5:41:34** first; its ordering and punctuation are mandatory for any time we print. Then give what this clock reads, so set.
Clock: **4:51:44**
